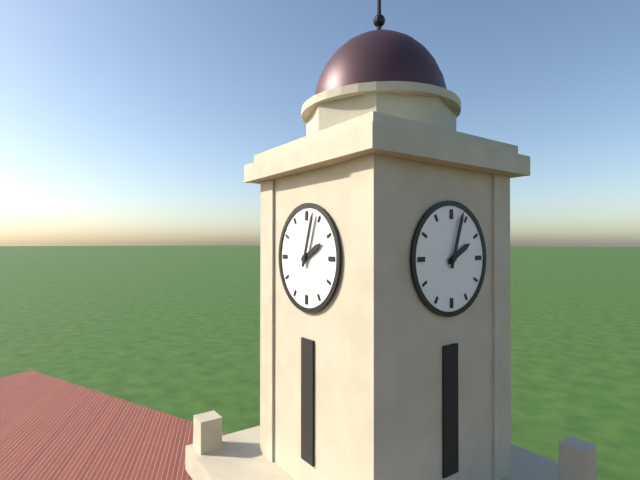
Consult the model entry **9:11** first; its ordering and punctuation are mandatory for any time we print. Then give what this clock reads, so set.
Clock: **2:03**
